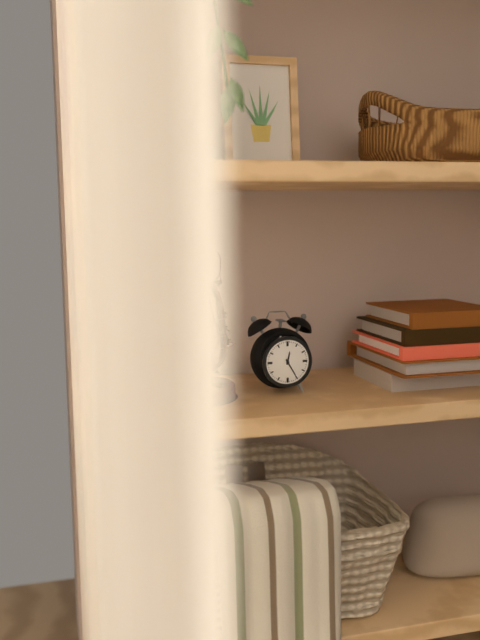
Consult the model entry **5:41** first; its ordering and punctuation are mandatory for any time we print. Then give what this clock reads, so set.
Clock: **12:25**
